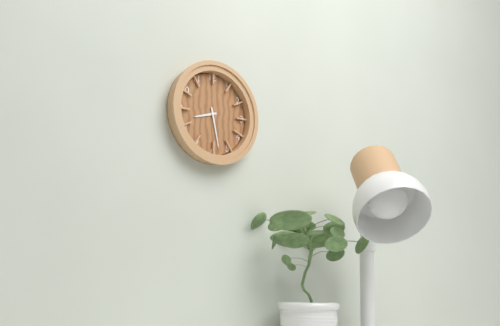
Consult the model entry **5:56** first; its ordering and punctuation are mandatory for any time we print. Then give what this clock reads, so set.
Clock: **8:28**
